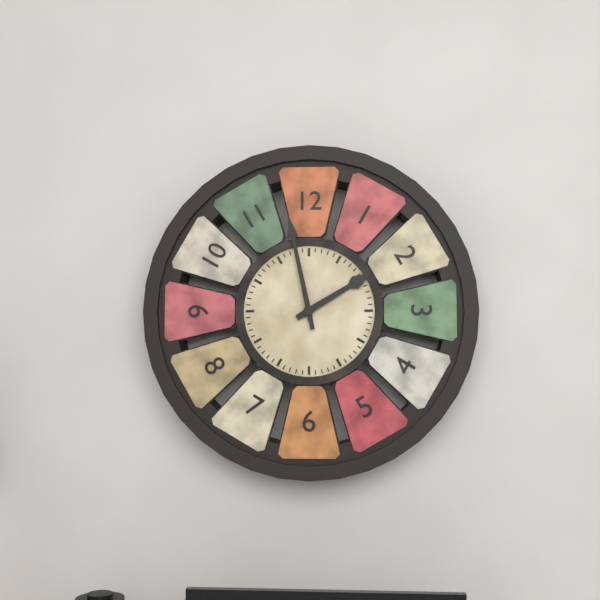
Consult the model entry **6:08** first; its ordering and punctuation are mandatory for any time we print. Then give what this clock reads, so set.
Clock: **1:58**
